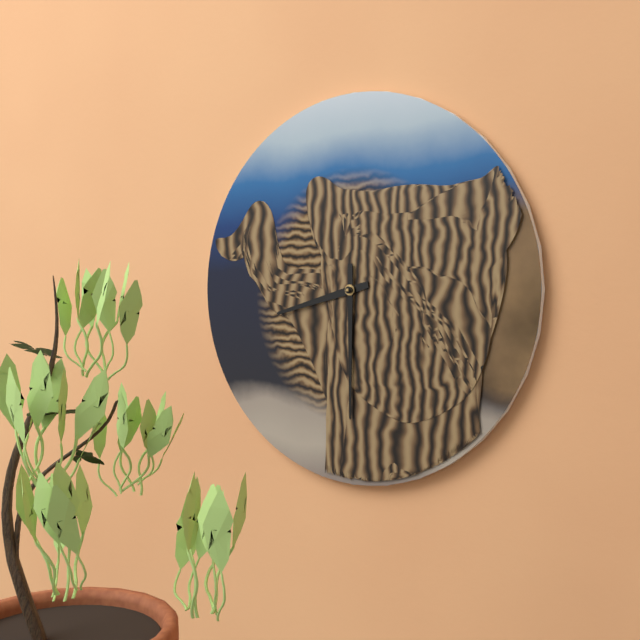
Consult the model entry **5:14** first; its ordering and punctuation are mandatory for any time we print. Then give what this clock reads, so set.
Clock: **8:30**
